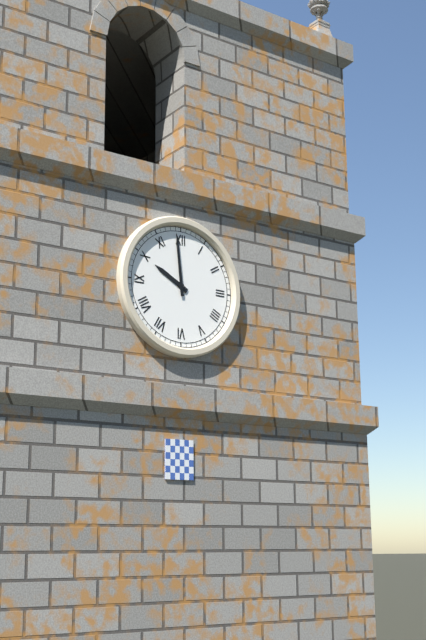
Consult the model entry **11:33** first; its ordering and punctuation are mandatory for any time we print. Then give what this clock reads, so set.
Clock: **9:59**
